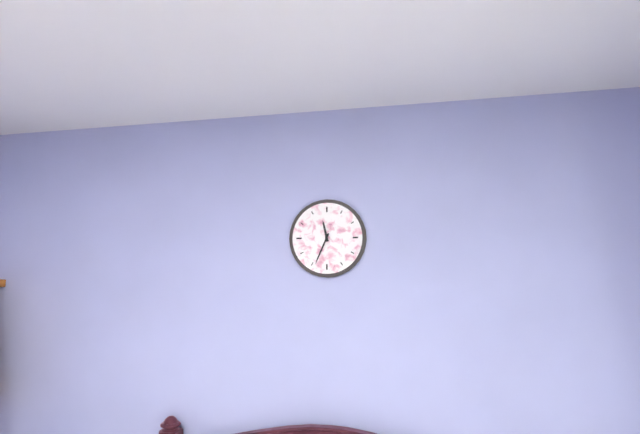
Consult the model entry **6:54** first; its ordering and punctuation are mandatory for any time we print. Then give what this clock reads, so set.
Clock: **11:34**
